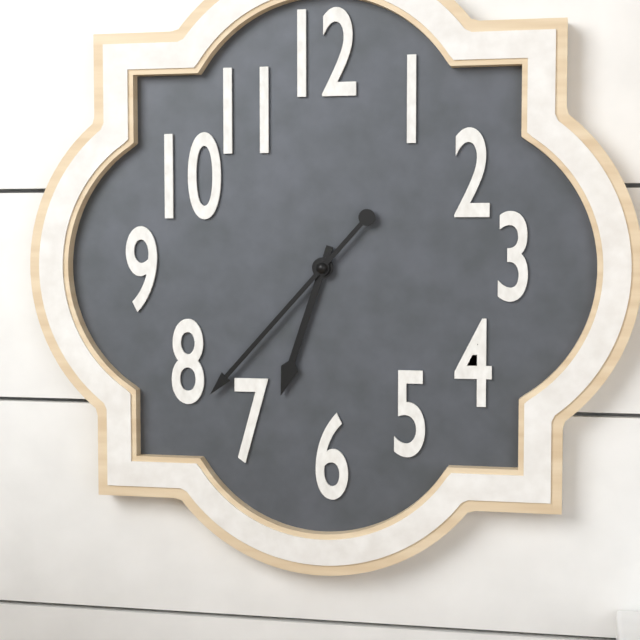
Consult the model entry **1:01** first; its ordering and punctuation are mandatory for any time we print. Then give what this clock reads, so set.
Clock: **6:37**
